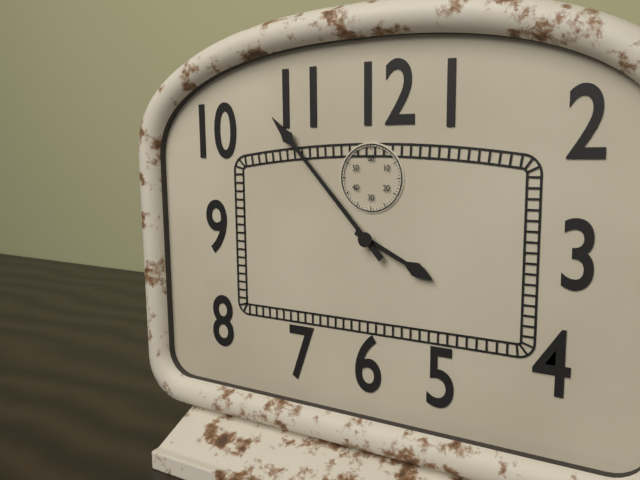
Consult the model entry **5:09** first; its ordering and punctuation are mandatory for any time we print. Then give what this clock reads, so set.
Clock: **3:53**
